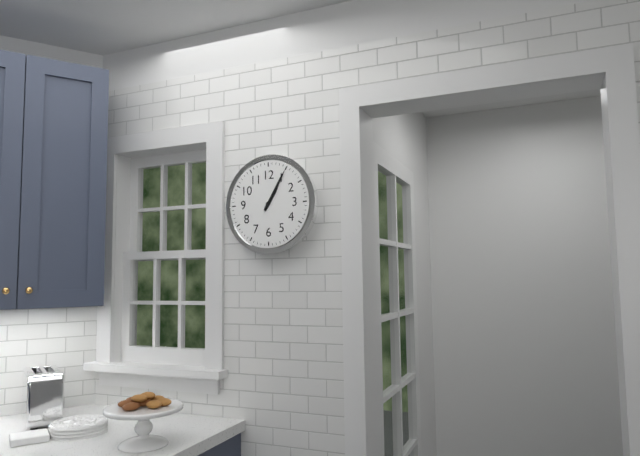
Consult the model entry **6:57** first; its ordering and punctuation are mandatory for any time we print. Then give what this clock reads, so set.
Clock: **1:05**
